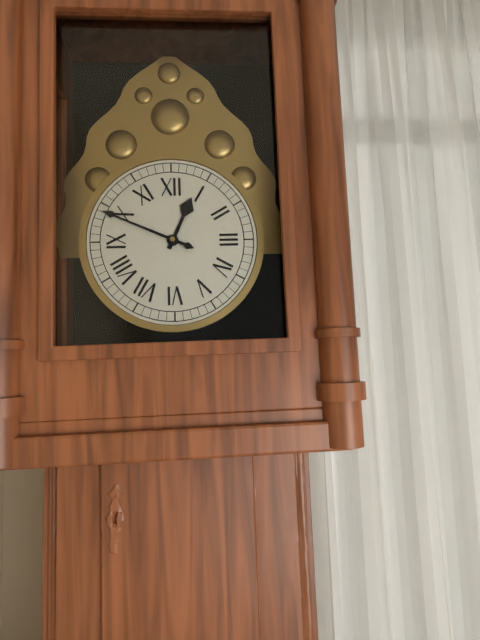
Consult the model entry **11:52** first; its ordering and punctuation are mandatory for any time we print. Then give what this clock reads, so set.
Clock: **12:49**
